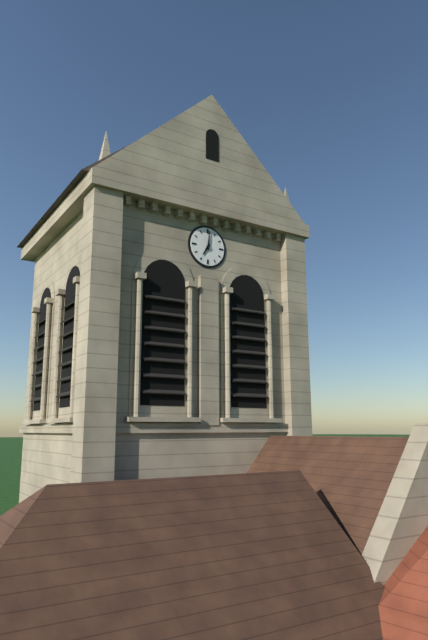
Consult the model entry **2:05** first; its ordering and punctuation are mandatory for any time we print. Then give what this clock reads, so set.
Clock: **7:01**
